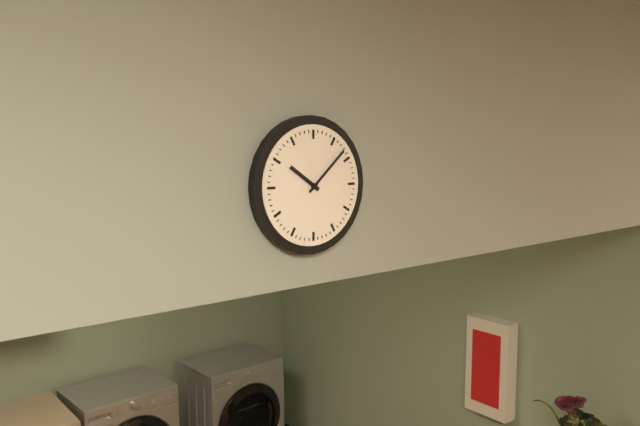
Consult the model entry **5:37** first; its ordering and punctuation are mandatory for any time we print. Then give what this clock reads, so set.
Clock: **10:08**
